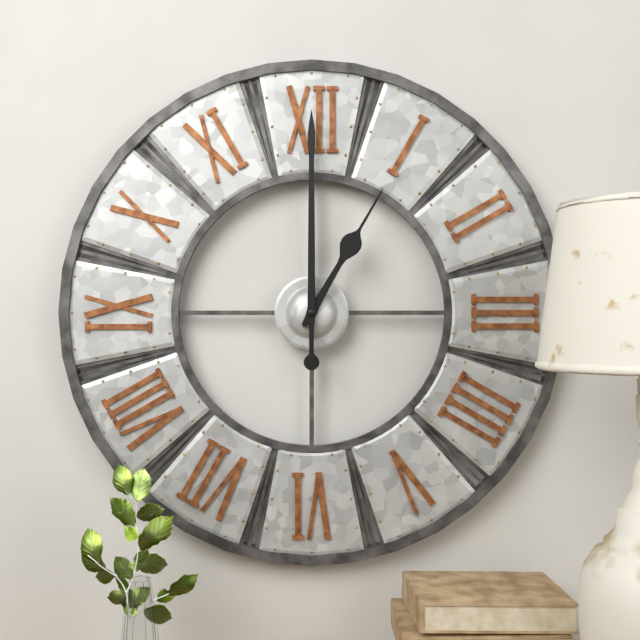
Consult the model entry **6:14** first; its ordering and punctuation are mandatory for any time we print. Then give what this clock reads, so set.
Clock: **1:00**
